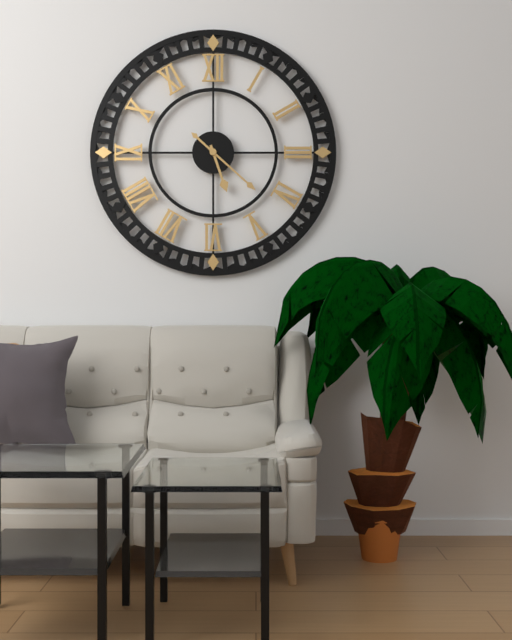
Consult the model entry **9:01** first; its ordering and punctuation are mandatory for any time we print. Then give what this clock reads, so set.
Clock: **5:22**
